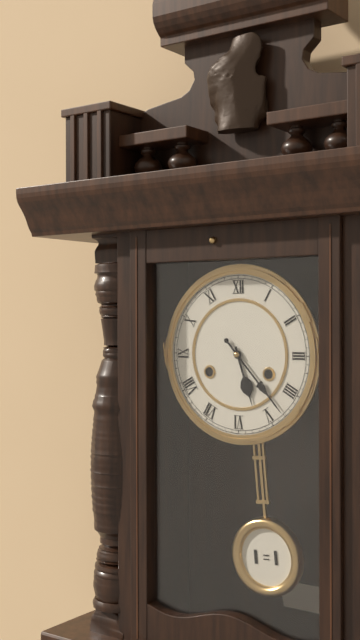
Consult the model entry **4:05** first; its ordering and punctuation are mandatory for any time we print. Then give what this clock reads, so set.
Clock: **5:23**
